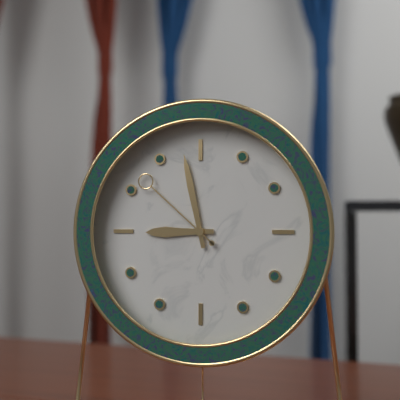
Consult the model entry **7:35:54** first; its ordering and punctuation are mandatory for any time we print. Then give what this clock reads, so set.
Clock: **8:58:52**
